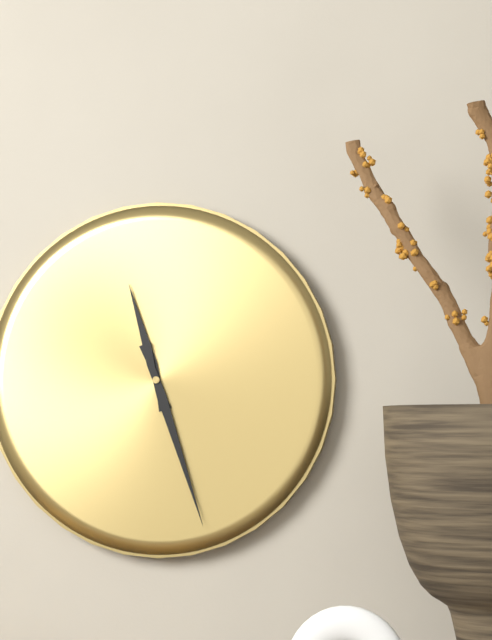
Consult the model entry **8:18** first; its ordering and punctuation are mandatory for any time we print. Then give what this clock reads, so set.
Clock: **11:27**
